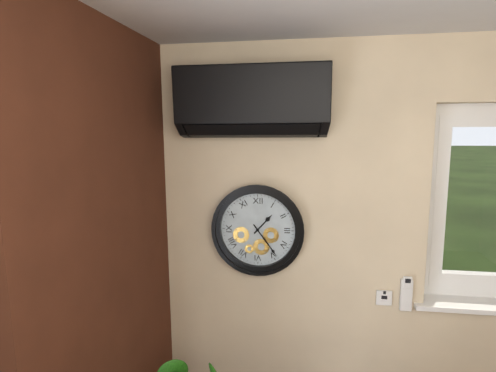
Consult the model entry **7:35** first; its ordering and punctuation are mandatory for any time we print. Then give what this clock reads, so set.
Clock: **1:24**
